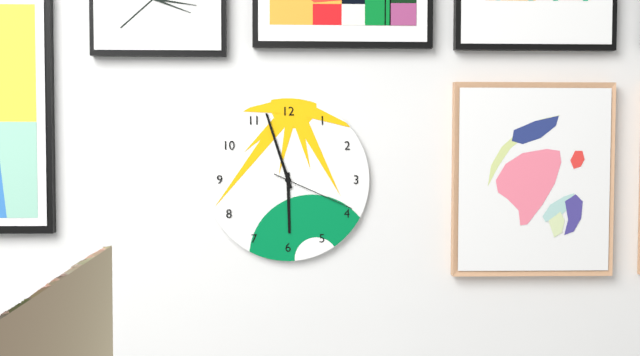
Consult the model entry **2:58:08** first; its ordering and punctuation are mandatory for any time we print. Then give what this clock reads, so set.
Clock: **5:57:19**
